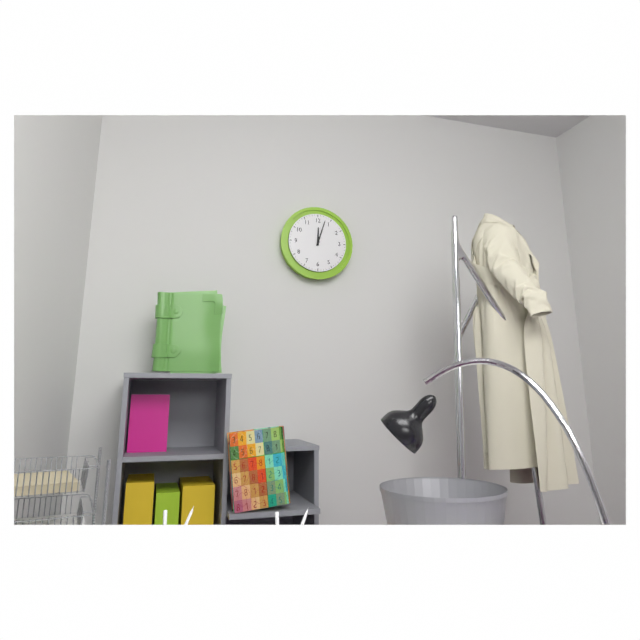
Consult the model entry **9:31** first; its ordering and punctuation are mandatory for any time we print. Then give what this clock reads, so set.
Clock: **12:03**
